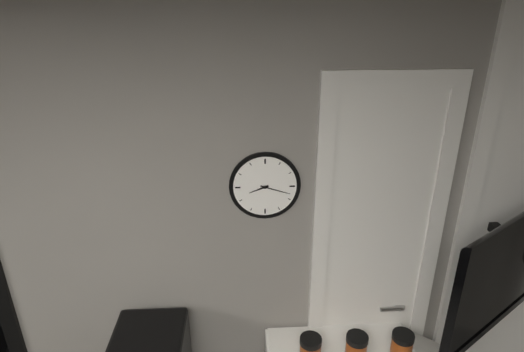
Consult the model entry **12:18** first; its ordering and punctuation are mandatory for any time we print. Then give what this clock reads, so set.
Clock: **8:18**
